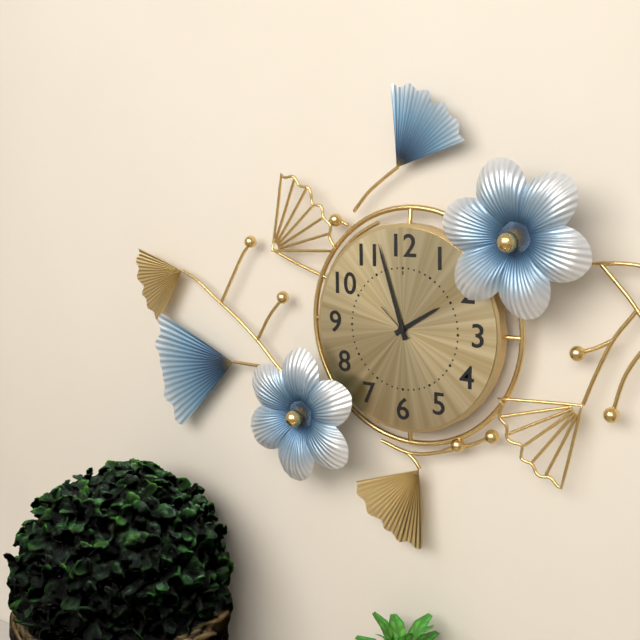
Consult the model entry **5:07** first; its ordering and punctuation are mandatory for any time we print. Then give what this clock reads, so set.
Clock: **1:57**
